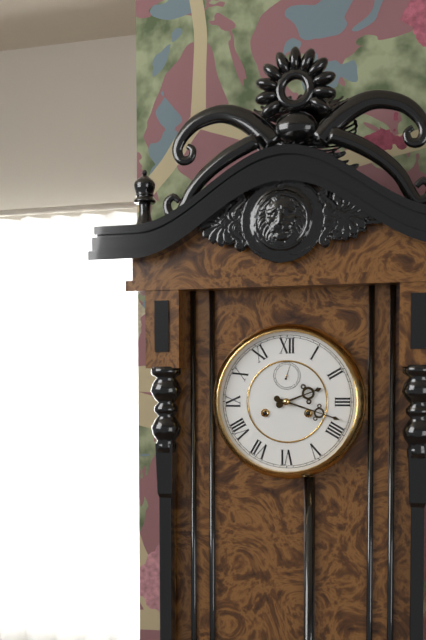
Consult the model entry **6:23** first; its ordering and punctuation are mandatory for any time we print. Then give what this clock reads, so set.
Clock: **2:18**
